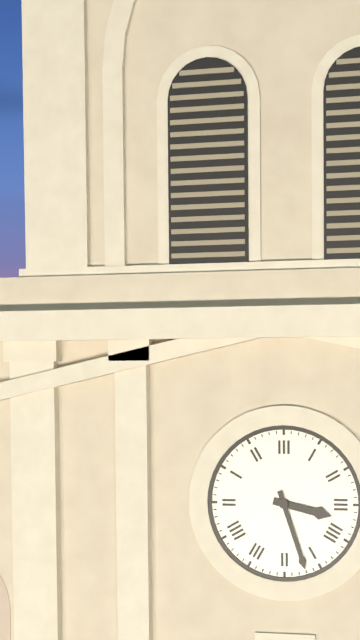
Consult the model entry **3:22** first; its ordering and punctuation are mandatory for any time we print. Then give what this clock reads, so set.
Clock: **3:27**
